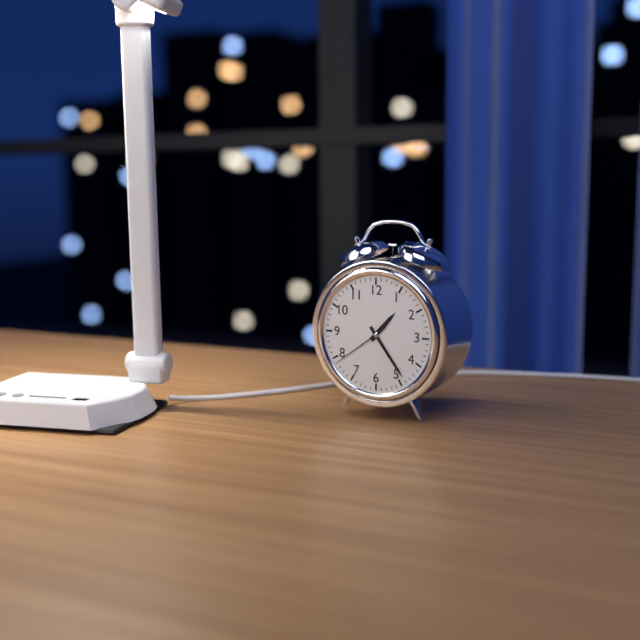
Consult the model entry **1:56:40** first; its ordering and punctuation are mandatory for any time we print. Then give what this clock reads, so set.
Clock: **1:24:39**
